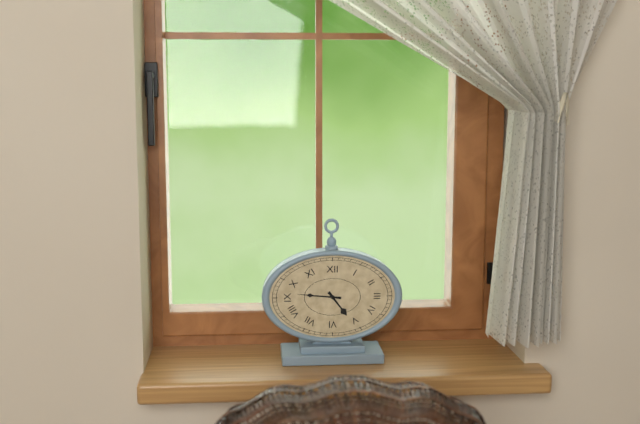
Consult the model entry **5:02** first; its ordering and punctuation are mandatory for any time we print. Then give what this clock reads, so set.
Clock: **4:46**
